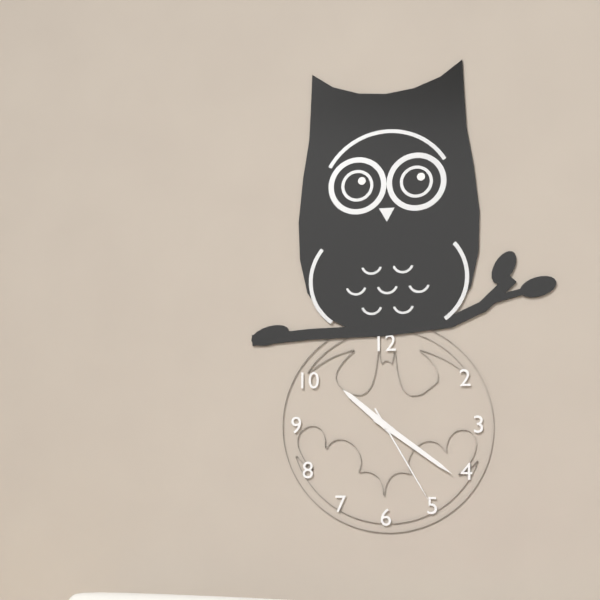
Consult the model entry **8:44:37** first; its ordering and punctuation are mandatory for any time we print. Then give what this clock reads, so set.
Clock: **10:21:25**
